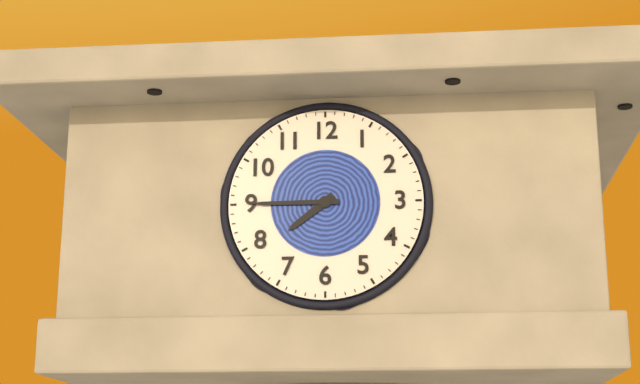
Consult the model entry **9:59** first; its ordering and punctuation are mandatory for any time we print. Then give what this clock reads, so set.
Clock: **7:45**
